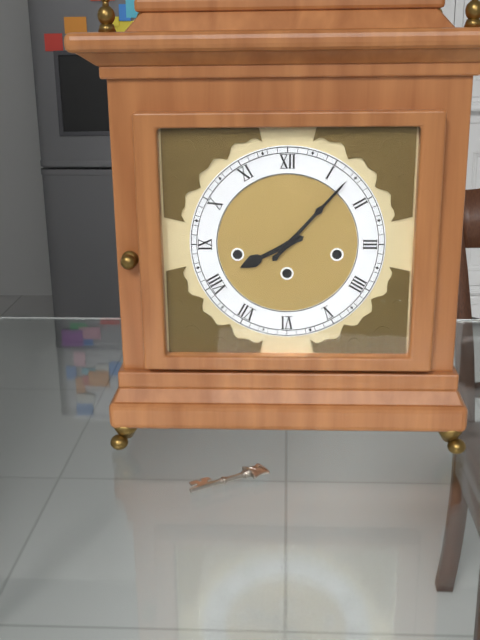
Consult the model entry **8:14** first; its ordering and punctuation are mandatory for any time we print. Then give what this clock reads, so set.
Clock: **8:07**
